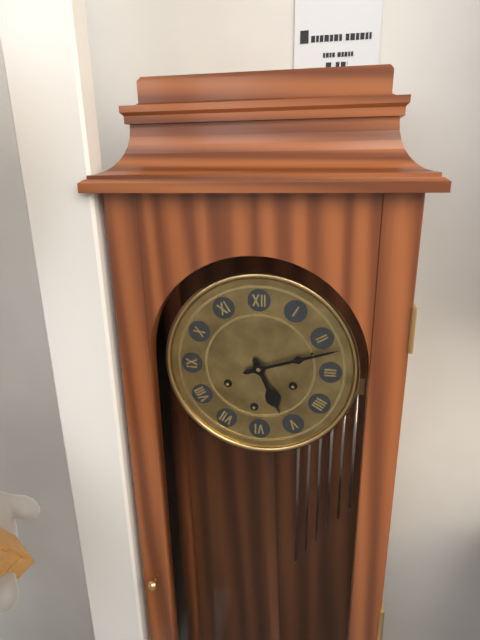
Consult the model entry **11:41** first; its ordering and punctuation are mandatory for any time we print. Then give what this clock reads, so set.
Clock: **5:12**
